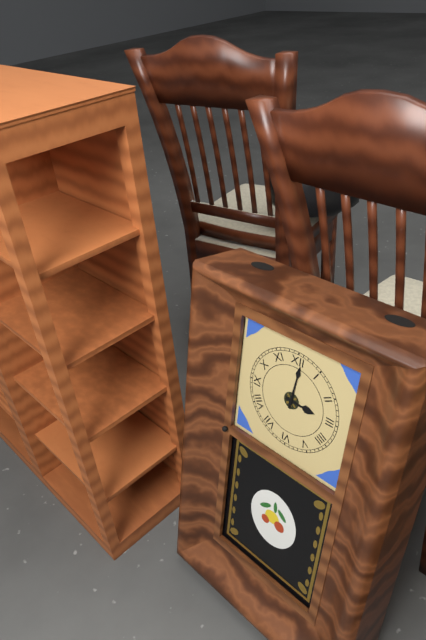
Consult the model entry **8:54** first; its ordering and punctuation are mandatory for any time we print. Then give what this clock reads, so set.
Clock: **3:01**
